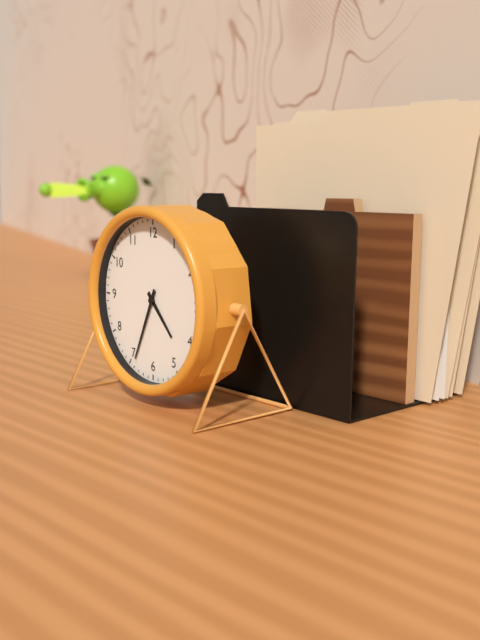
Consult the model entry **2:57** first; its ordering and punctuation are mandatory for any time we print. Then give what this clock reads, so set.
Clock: **4:34**
